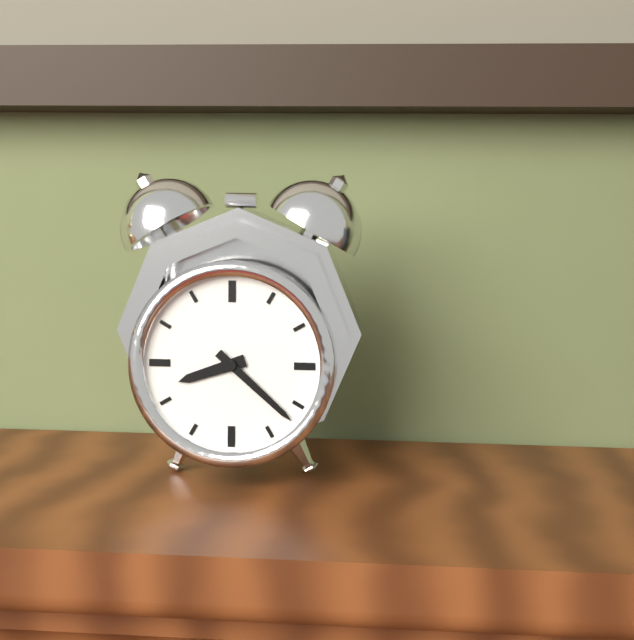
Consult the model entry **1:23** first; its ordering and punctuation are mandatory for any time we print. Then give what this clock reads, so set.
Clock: **8:22**
